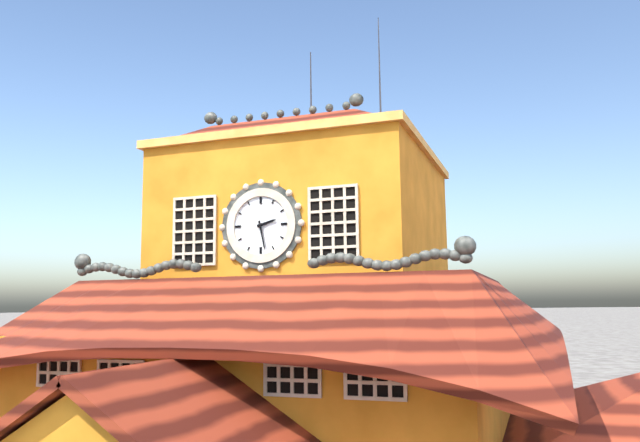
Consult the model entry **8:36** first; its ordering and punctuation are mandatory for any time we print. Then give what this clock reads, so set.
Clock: **2:28**
